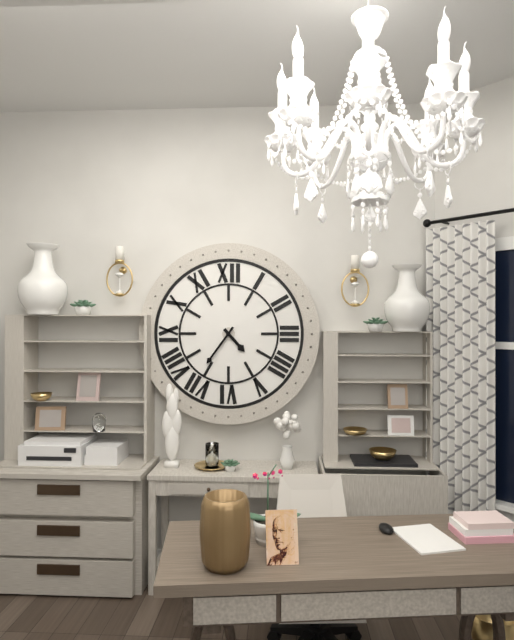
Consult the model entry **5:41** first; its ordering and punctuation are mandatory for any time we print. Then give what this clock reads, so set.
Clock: **4:36**
